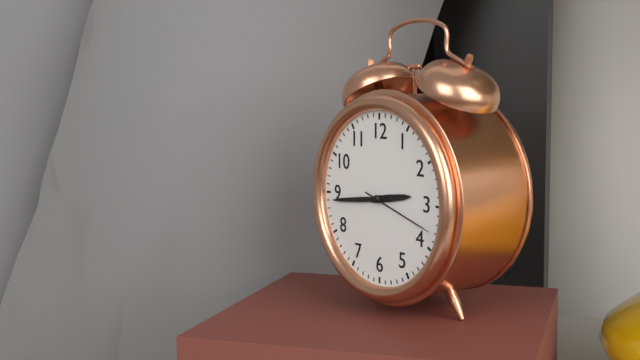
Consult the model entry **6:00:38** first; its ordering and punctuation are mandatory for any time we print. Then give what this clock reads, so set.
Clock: **2:44:18**
